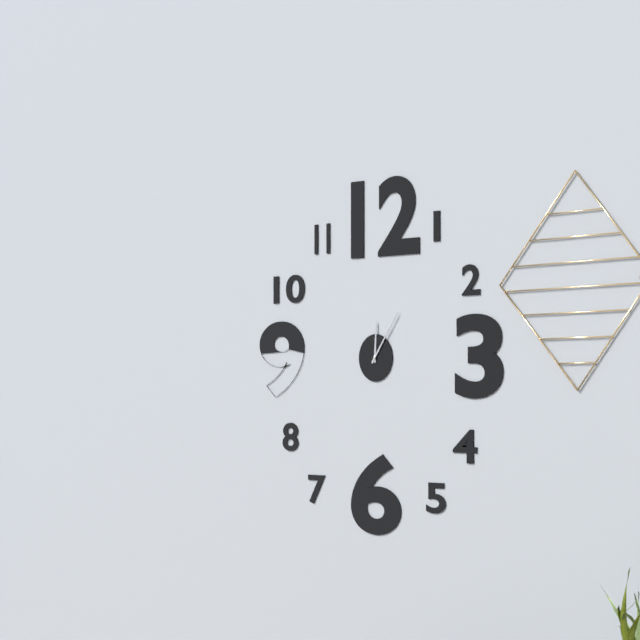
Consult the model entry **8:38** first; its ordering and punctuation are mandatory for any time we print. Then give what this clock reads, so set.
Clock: **12:06**
